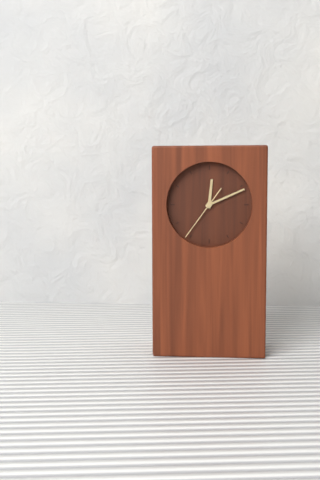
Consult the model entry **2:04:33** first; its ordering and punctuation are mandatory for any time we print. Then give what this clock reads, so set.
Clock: **12:11:36**
